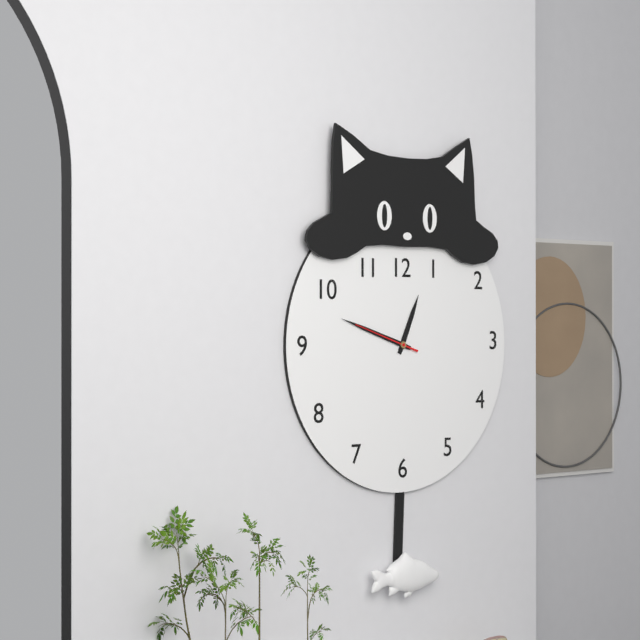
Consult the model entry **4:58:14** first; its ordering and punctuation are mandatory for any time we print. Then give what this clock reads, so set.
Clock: **12:48:48**
